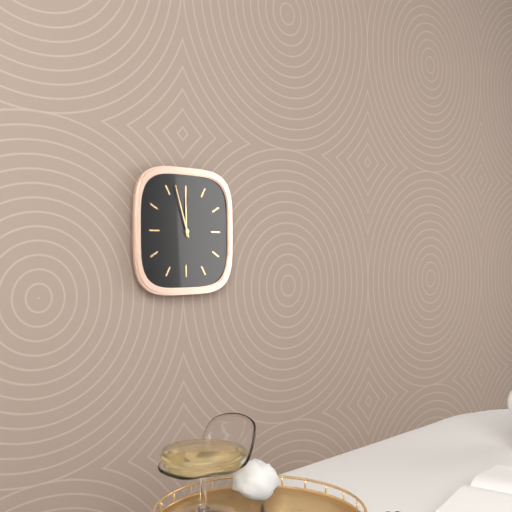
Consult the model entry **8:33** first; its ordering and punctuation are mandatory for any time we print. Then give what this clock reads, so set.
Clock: **11:57**
